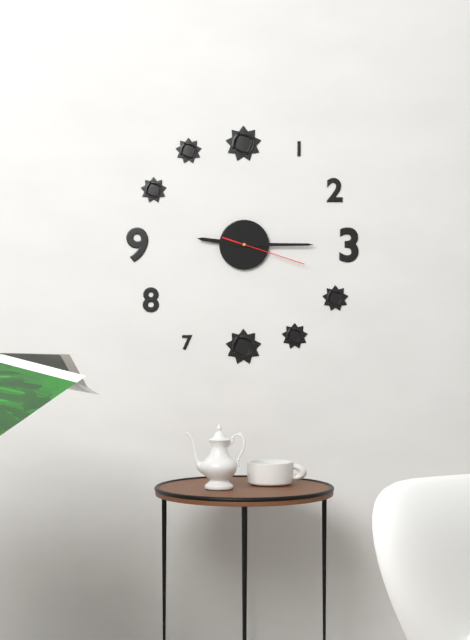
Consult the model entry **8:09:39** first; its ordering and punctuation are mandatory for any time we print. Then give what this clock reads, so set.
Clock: **9:15:18**
